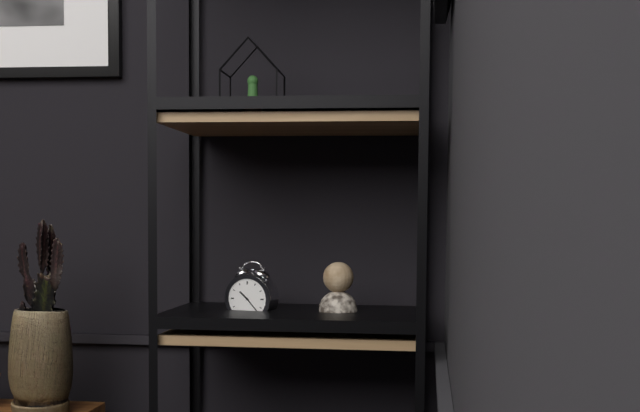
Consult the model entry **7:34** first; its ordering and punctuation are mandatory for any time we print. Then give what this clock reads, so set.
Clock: **10:23**
